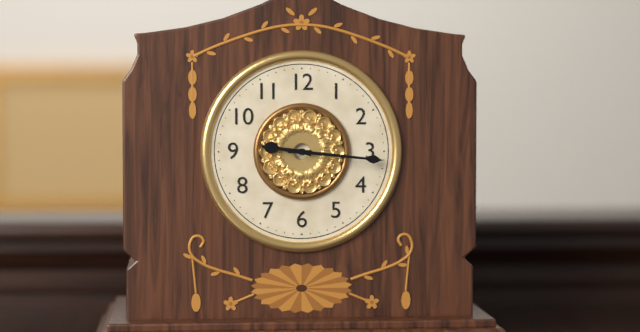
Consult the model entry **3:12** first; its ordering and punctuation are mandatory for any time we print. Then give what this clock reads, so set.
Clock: **9:16**
